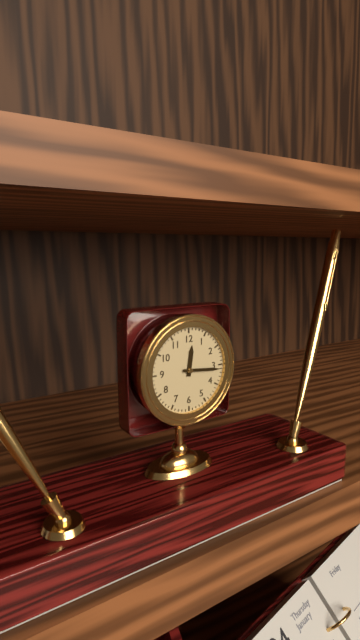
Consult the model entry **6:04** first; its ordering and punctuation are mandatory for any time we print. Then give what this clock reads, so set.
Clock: **12:16**
